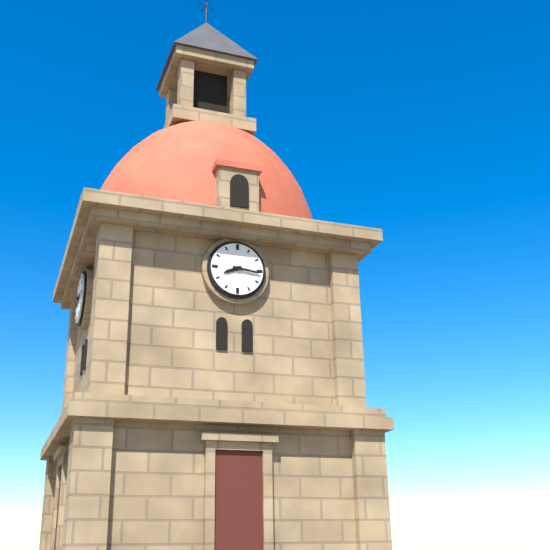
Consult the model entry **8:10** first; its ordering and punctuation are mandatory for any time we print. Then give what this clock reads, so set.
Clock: **8:16**
